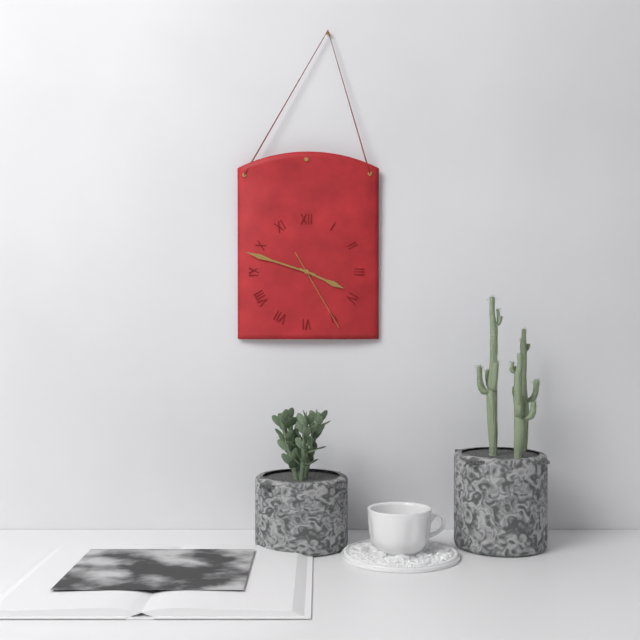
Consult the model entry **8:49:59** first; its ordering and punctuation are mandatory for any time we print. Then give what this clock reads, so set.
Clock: **3:48:25**
